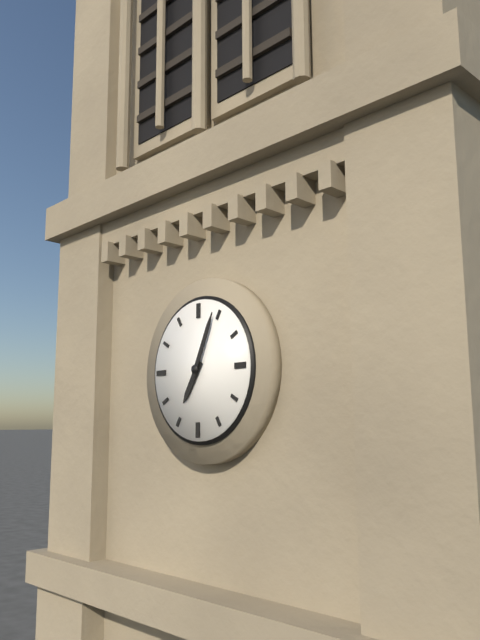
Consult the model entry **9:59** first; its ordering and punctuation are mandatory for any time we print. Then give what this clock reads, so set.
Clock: **7:04**
